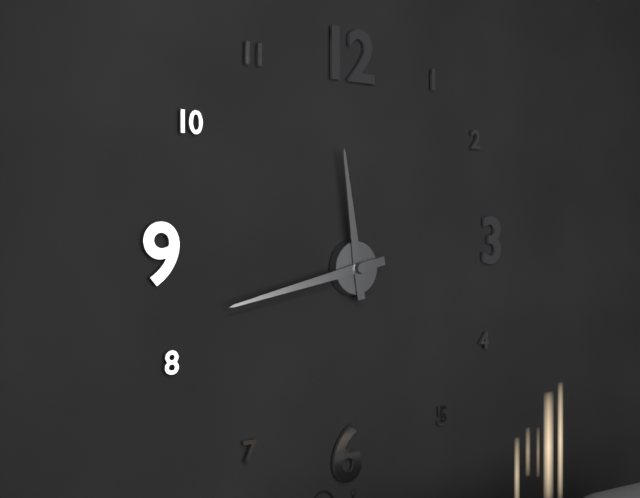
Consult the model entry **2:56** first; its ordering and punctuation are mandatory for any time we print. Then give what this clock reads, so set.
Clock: **11:43**
